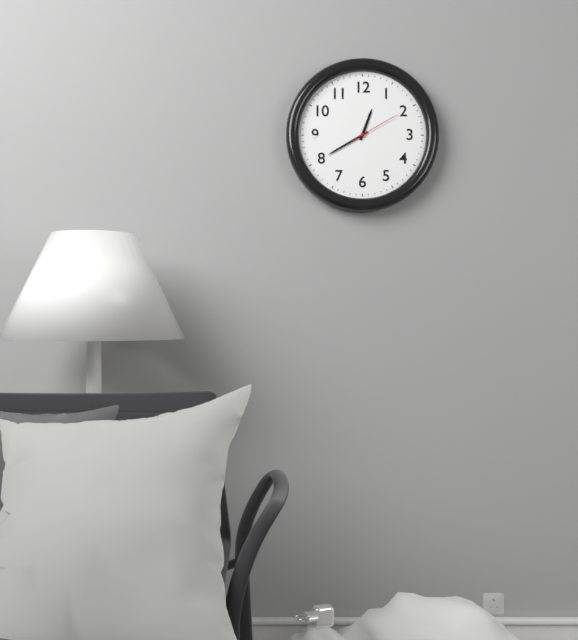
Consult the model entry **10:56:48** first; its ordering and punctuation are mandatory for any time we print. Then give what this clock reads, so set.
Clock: **12:40:10**
